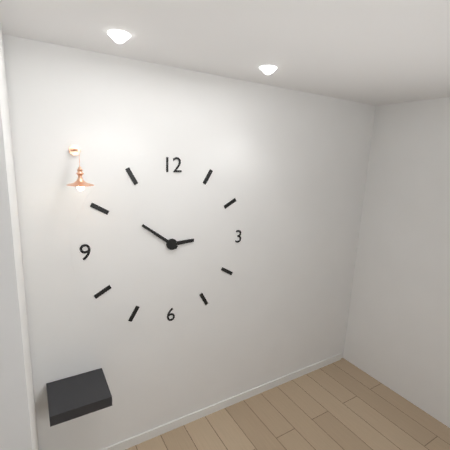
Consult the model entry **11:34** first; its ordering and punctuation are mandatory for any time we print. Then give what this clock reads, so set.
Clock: **2:51**
